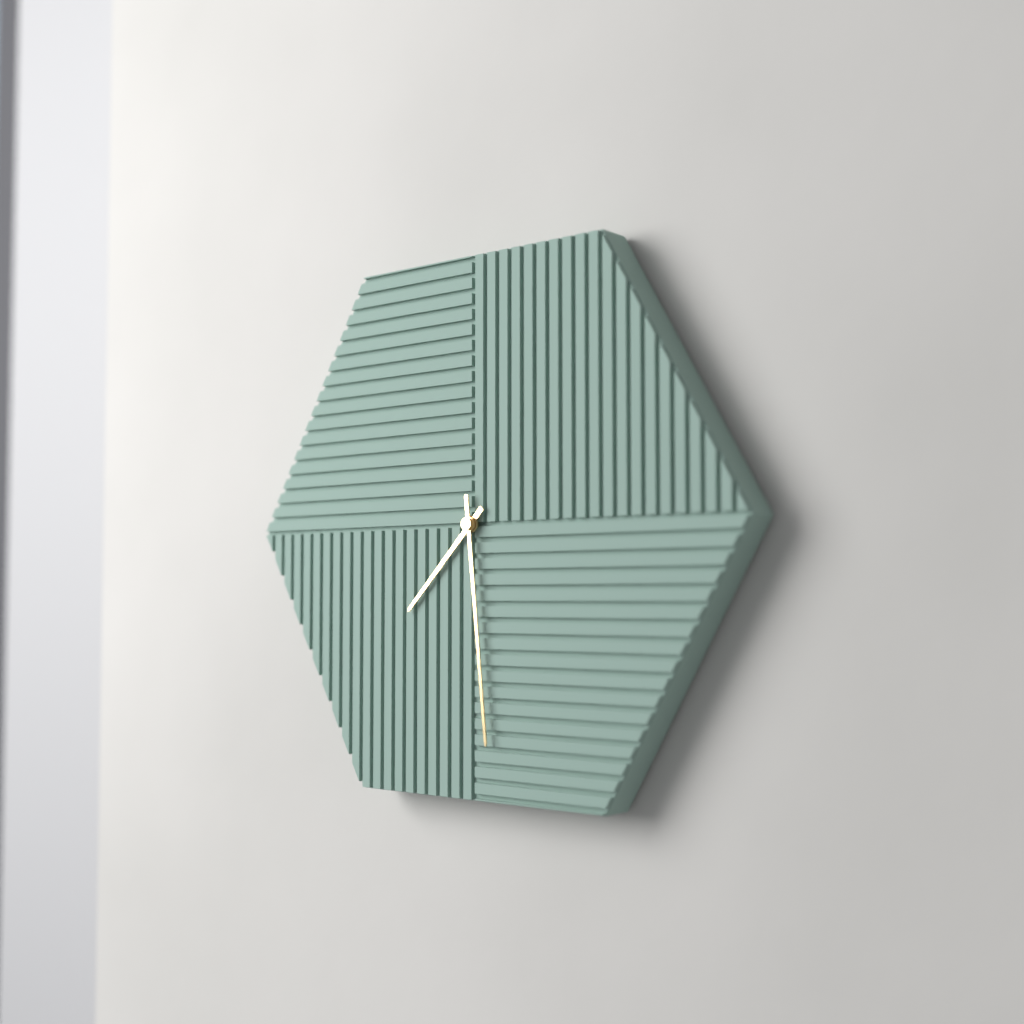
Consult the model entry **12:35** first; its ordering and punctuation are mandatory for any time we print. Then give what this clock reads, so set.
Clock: **7:29**
